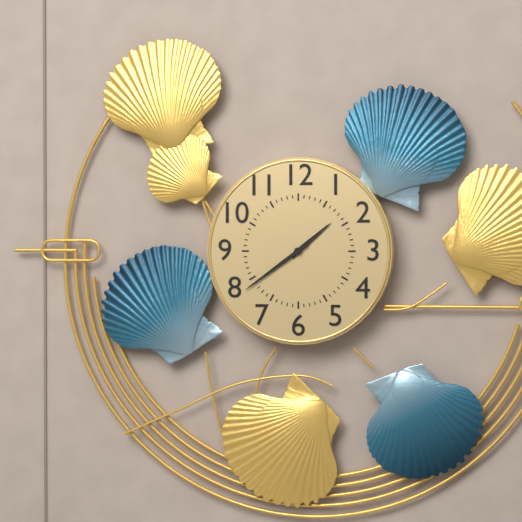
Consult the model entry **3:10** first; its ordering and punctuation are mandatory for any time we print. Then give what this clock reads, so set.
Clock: **1:39**
